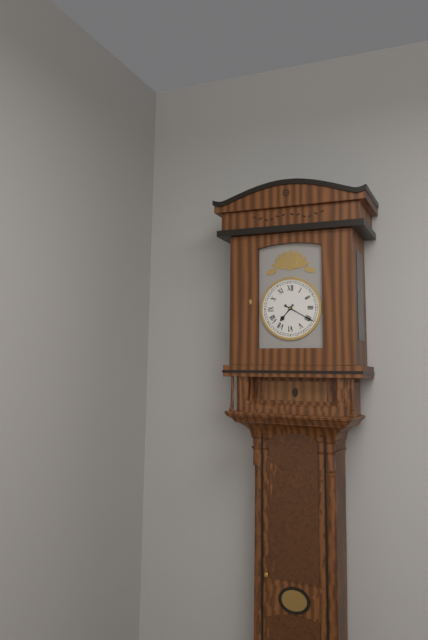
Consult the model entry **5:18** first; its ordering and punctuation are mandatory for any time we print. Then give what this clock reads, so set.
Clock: **7:20**
